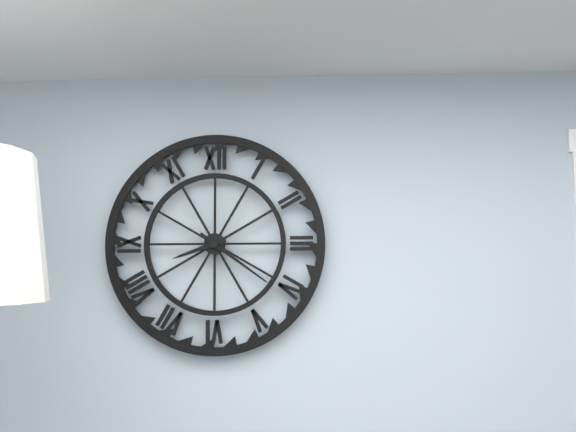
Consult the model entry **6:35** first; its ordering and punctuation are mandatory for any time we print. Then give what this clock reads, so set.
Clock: **8:21**
